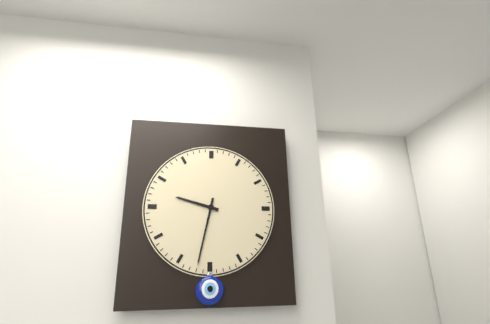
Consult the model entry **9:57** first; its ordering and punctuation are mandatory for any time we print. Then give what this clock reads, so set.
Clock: **9:32**
